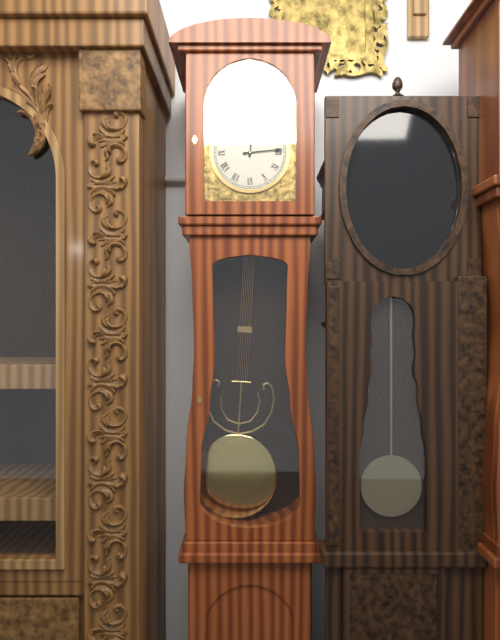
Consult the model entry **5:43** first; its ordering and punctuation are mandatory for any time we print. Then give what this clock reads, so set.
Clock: **12:14**
